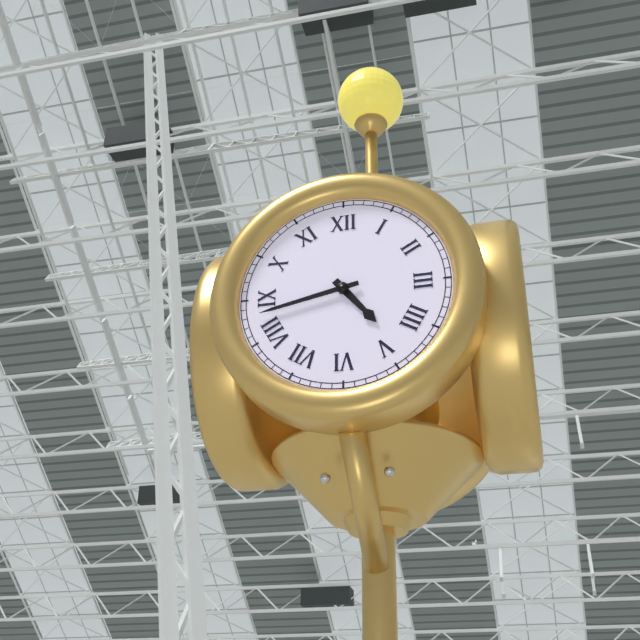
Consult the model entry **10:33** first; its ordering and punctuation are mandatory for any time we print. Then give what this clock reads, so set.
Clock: **4:43**
